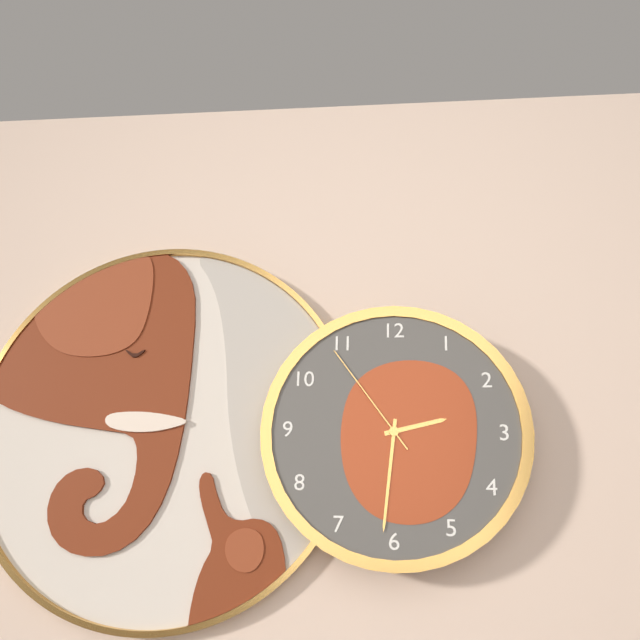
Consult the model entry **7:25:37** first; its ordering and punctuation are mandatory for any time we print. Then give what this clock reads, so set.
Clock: **2:31:54**
